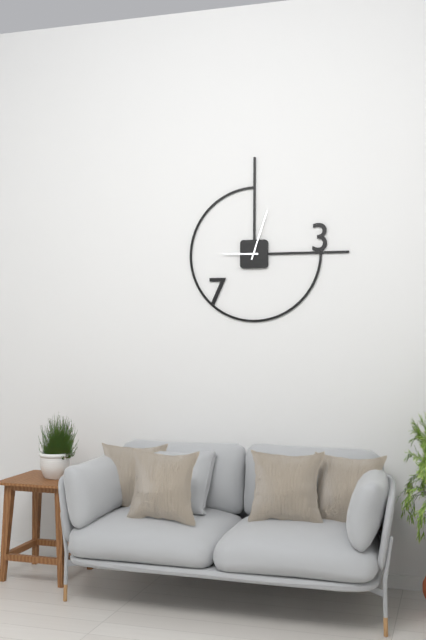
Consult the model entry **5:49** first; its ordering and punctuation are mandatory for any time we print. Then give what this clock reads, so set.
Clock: **9:03**
